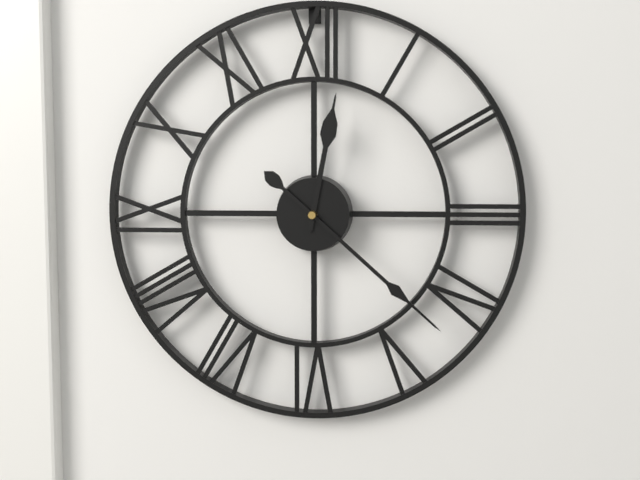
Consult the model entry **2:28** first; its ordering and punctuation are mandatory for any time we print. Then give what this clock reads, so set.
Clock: **12:22**
